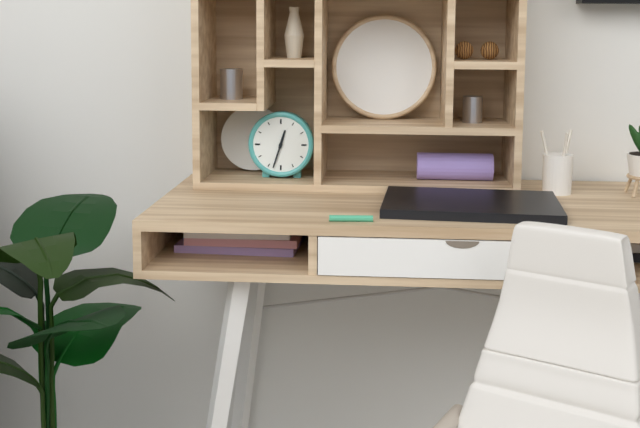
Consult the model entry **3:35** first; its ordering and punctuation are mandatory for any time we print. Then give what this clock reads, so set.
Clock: **12:33**
